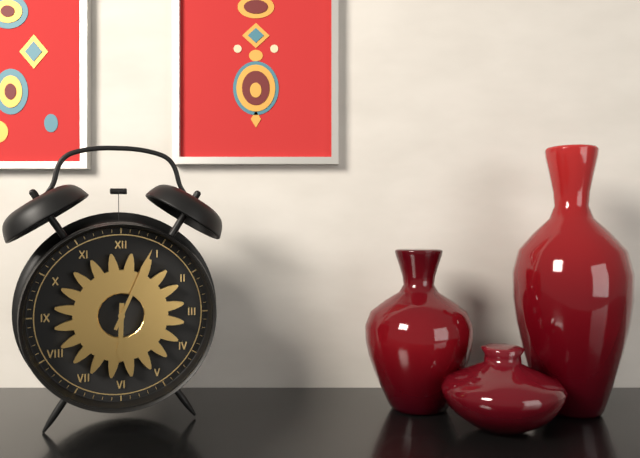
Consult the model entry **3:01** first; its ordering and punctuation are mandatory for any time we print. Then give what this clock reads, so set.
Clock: **6:04**
